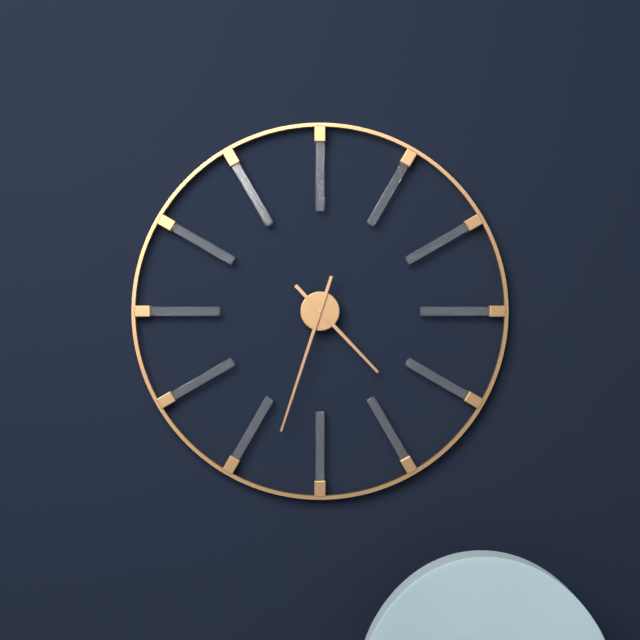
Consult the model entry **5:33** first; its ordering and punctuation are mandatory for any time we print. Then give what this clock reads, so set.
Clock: **4:33**
